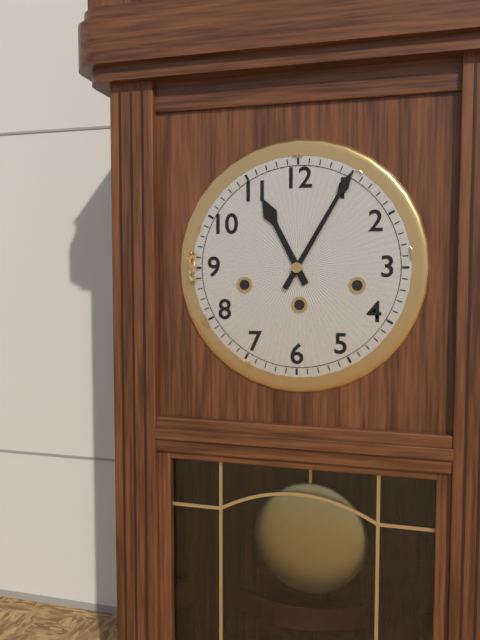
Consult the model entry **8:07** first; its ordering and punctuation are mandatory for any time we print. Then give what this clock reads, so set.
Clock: **11:05**
